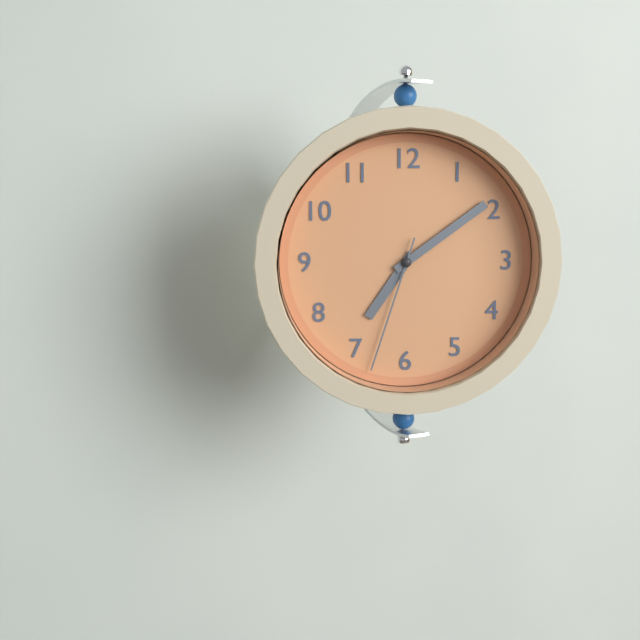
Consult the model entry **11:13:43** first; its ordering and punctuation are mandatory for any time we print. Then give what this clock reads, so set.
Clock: **7:09:33**
